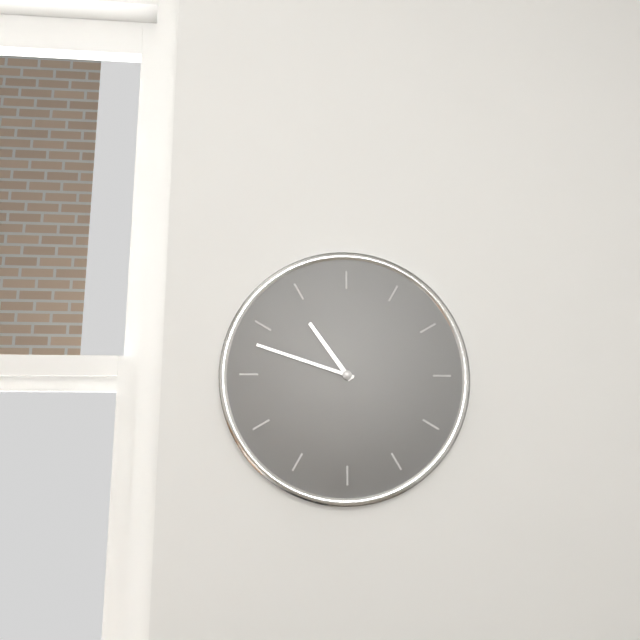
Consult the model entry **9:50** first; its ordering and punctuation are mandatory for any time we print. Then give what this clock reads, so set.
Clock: **10:48**
